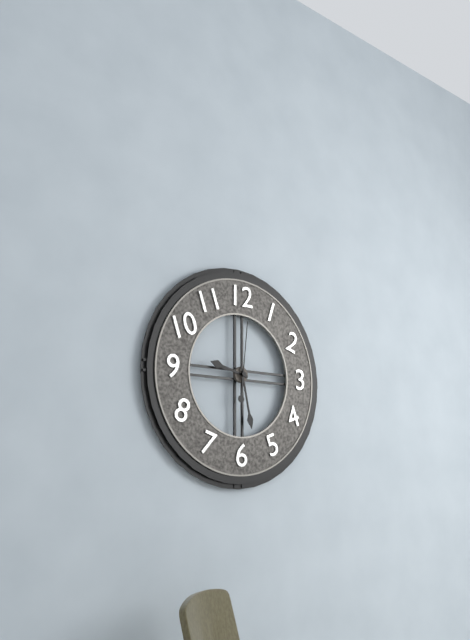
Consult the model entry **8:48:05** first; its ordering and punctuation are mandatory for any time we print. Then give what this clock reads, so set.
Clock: **9:28:01**
